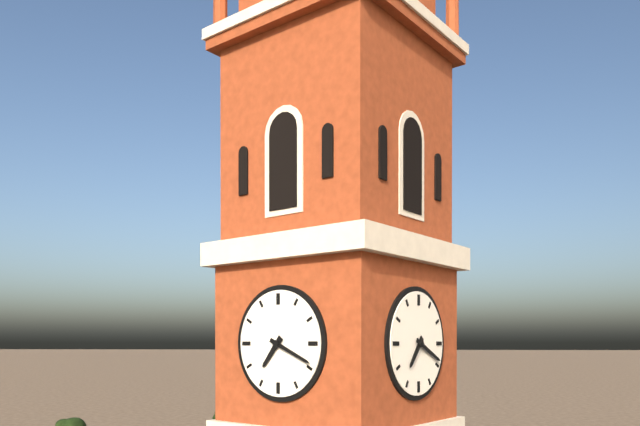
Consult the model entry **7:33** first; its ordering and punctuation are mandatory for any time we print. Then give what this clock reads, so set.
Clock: **7:19**
